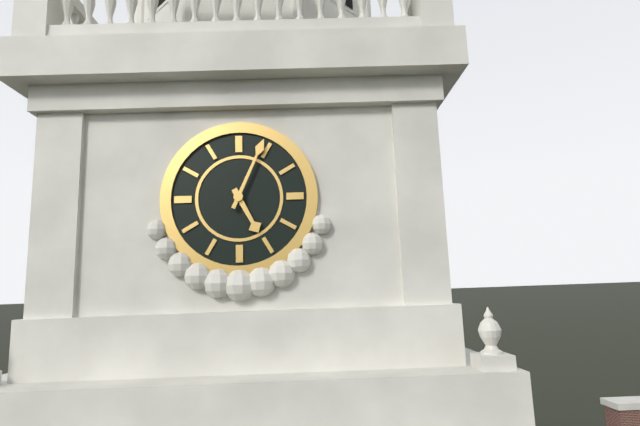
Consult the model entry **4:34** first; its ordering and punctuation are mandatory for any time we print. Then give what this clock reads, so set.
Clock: **5:04**
